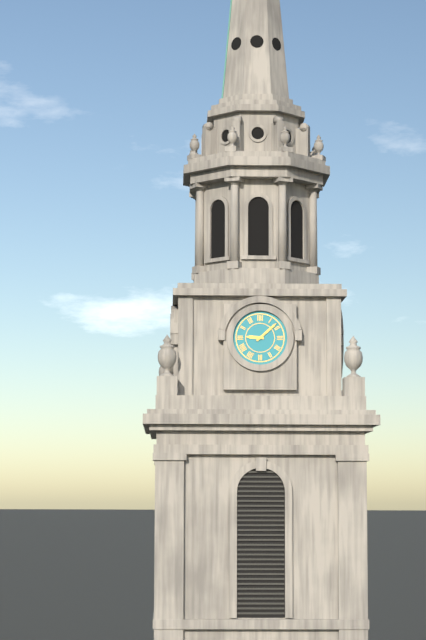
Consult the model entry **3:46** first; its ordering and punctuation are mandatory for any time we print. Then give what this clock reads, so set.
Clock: **9:08**
